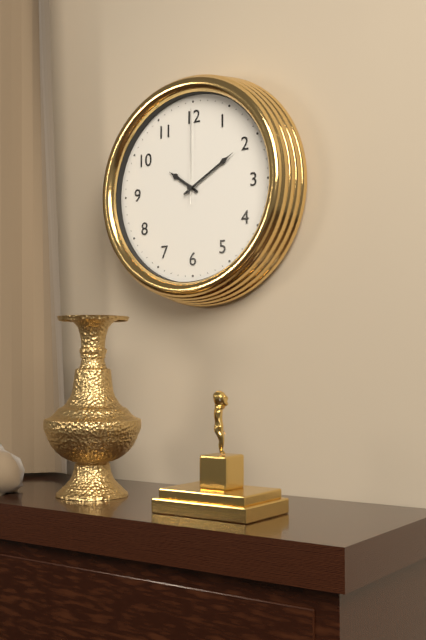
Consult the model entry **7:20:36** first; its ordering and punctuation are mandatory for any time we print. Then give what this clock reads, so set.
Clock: **10:10:00**
